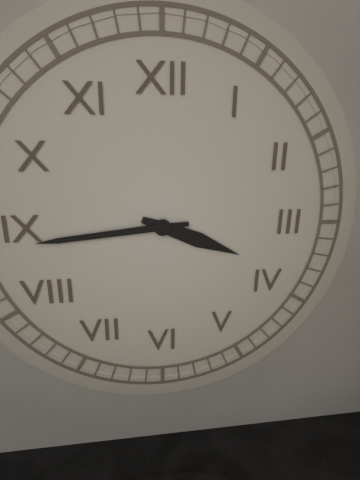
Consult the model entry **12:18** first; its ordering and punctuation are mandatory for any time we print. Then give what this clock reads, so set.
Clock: **3:44**
